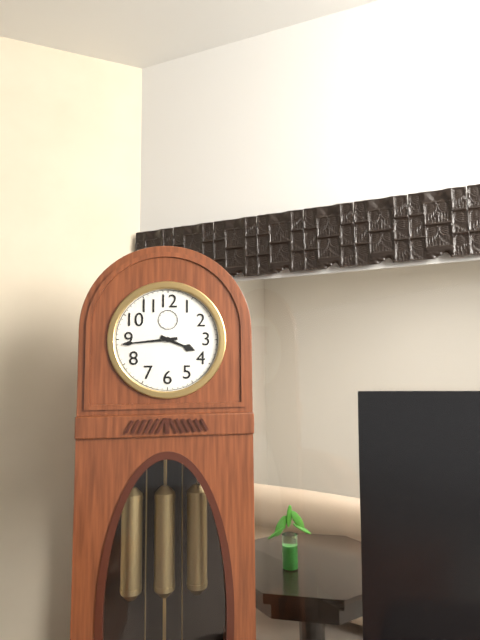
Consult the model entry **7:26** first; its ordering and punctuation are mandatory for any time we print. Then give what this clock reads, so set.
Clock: **3:44**
